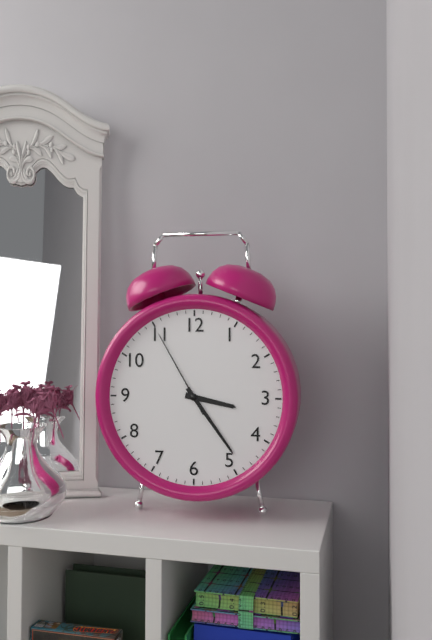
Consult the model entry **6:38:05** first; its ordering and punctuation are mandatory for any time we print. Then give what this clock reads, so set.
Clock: **3:24:55**
